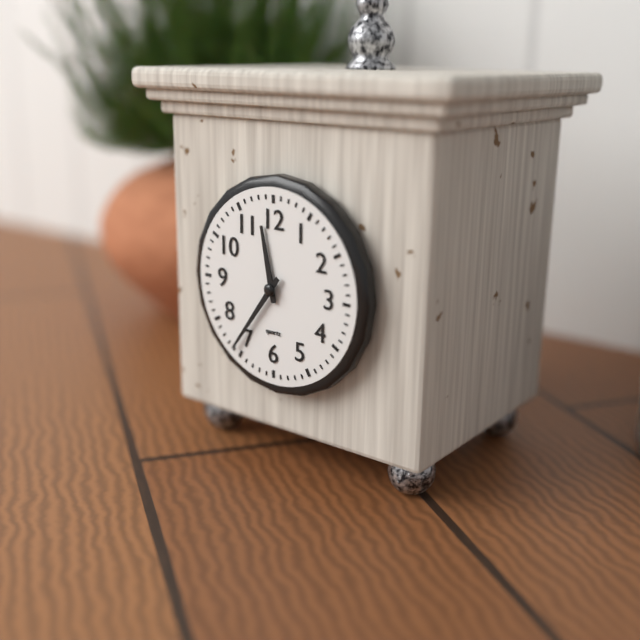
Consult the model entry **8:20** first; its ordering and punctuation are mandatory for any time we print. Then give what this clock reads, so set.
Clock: **11:36**
